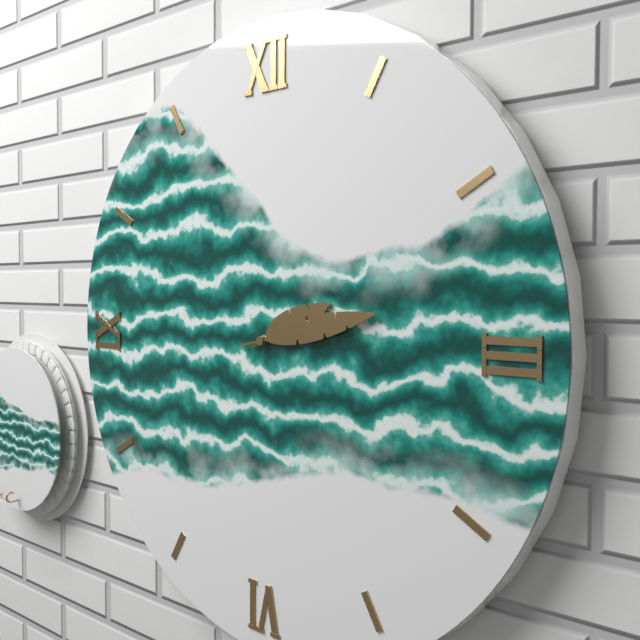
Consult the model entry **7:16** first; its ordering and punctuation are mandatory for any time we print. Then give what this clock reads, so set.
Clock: **2:13**
